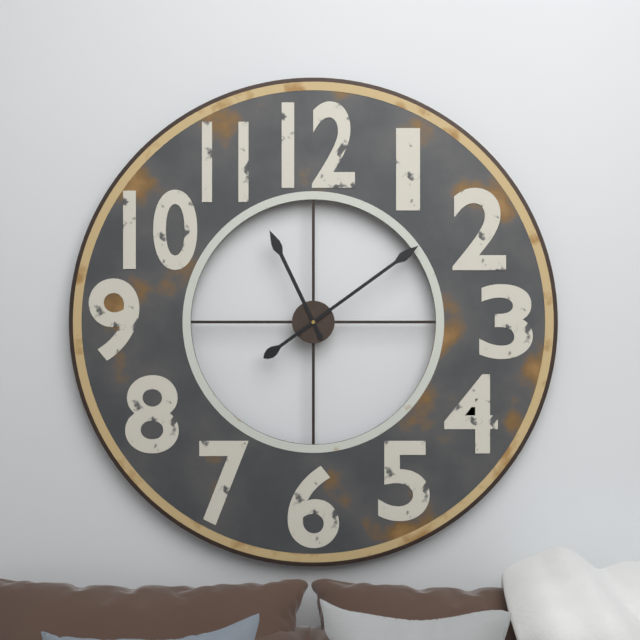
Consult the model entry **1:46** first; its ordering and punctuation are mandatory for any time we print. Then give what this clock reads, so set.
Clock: **11:09**
